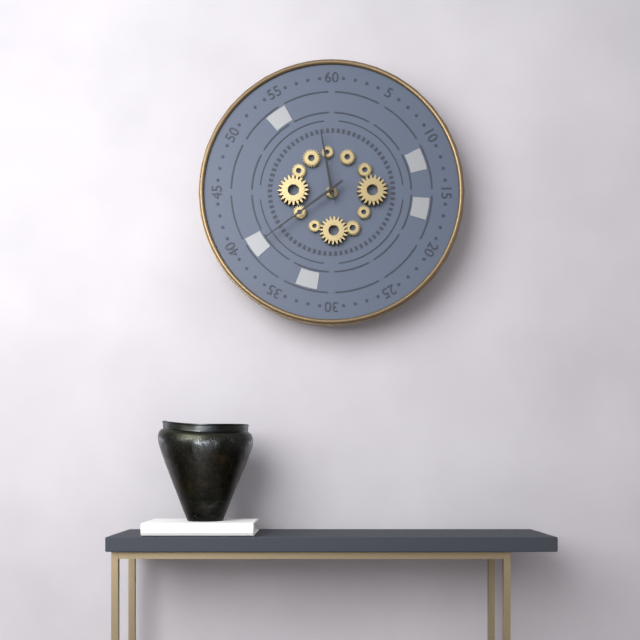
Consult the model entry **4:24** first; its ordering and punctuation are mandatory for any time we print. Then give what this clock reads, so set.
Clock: **11:39**
